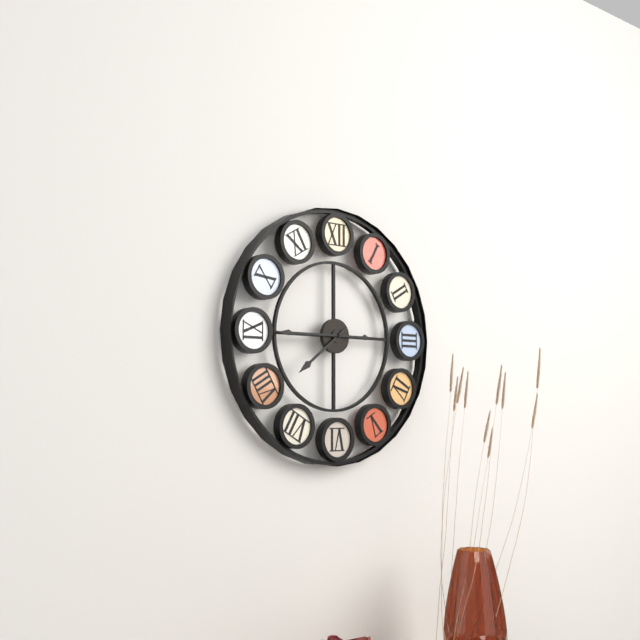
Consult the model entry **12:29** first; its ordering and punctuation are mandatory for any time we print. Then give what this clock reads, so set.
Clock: **7:45**
